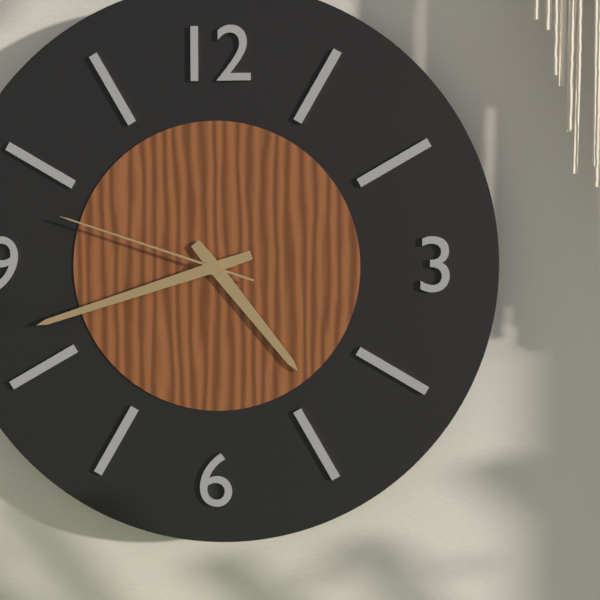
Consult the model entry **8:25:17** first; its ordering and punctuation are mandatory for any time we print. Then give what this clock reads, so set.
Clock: **4:42:48**
